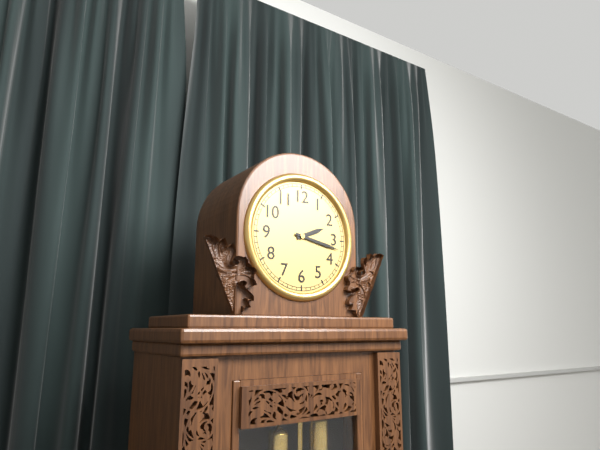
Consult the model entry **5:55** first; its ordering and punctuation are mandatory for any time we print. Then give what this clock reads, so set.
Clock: **2:17**
